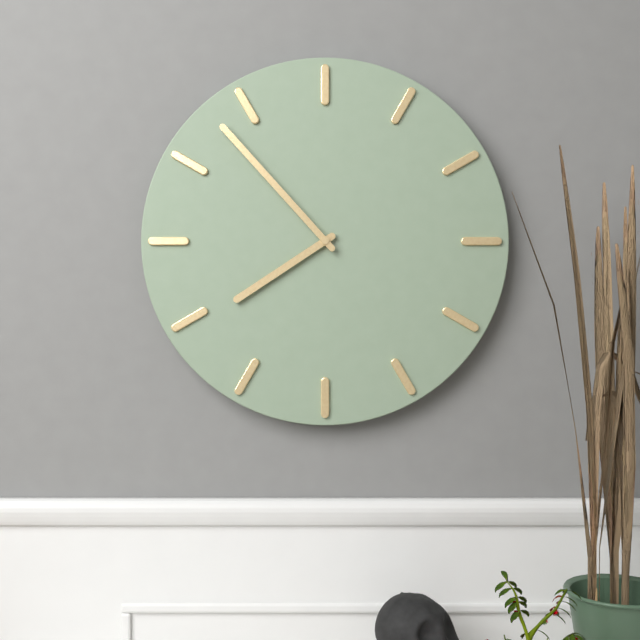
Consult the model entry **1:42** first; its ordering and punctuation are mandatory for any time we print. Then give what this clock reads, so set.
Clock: **7:53**
